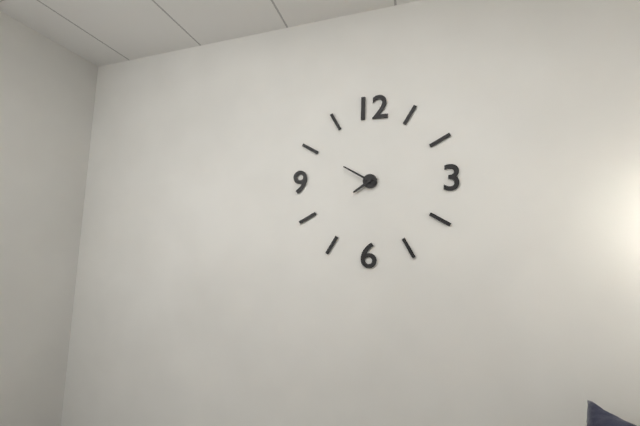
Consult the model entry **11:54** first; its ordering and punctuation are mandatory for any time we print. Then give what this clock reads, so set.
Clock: **7:50**
